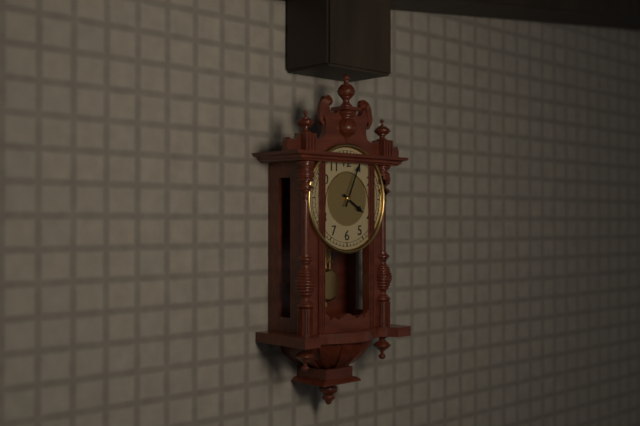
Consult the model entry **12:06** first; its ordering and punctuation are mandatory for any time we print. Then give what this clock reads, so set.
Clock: **4:04**
